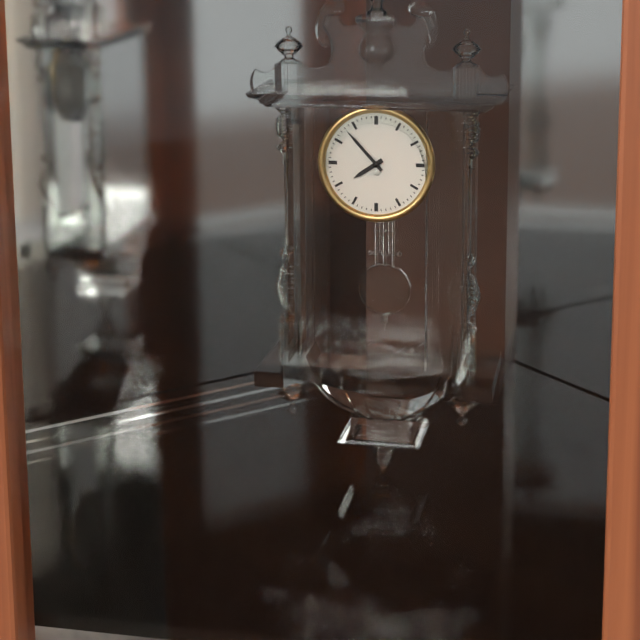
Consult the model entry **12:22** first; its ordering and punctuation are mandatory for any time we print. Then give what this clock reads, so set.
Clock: **7:53**
